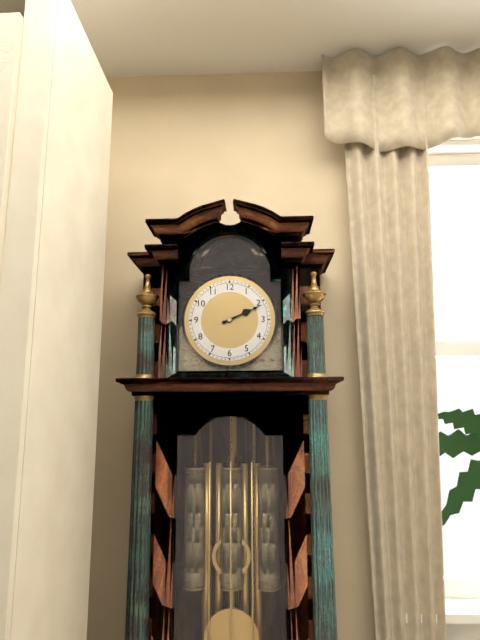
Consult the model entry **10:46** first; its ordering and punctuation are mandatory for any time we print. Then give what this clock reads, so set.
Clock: **2:11**
